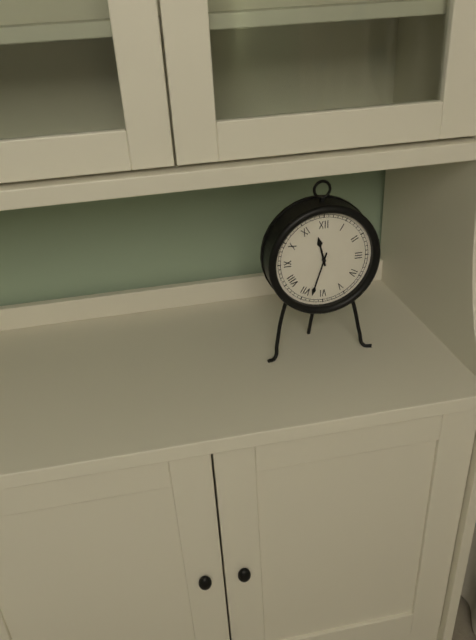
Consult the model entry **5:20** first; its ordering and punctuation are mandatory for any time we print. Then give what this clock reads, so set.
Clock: **11:33**
